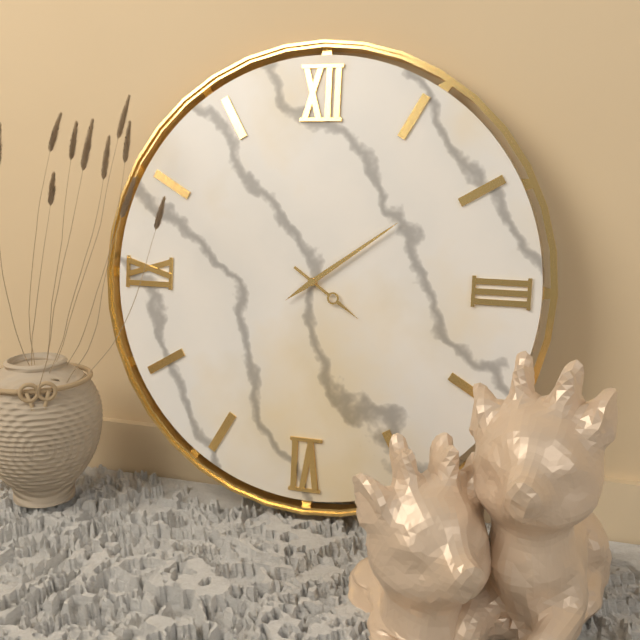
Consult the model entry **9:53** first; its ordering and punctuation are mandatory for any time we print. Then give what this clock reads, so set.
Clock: **4:09**
